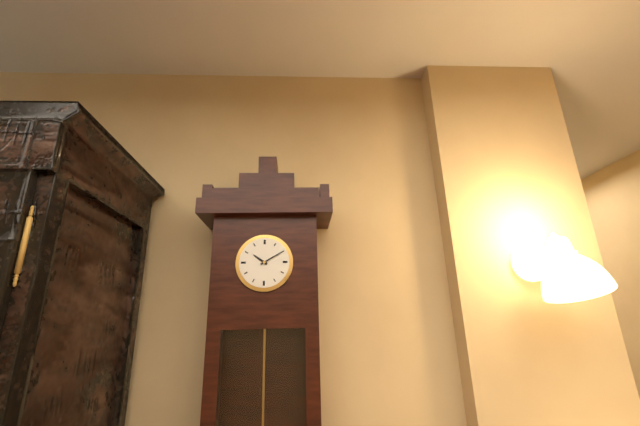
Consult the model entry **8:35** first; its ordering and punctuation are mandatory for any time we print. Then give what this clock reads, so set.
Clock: **10:10**
